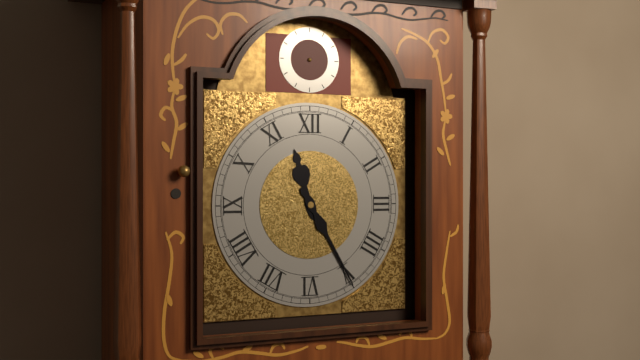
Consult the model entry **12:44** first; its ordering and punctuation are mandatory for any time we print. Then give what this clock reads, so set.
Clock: **11:25**
